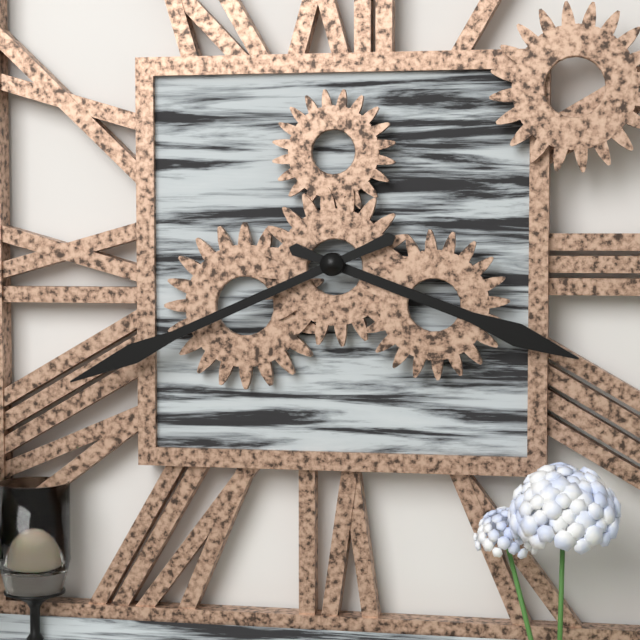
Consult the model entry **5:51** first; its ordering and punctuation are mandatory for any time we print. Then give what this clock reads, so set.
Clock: **3:41**
